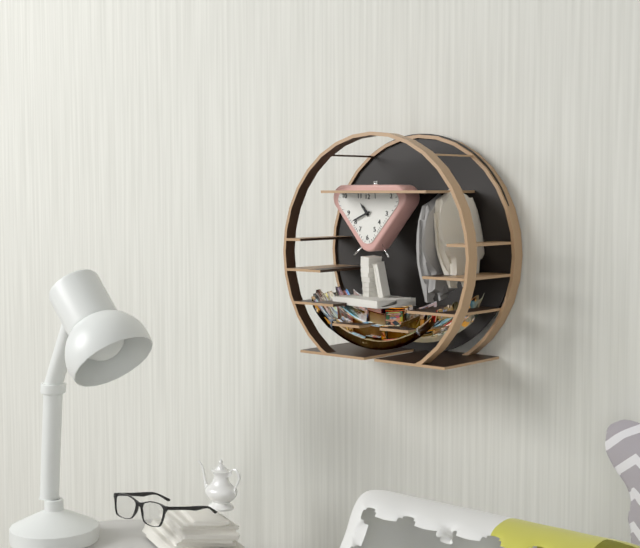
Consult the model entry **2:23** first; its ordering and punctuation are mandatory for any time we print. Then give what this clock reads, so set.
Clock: **10:41**
